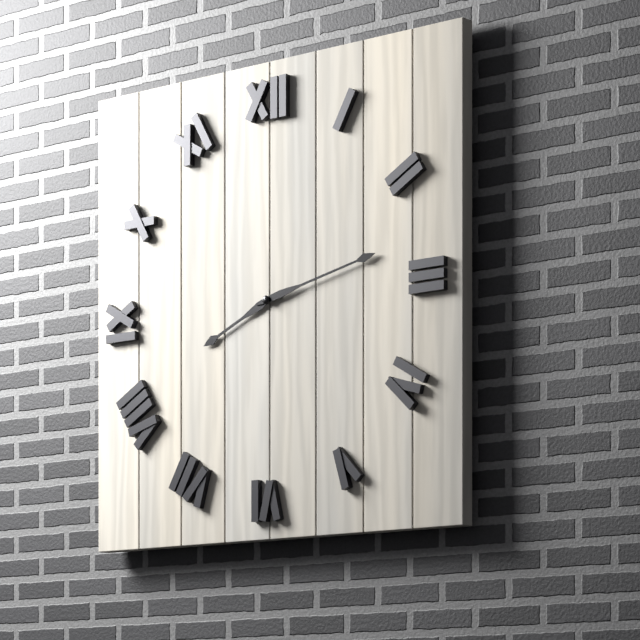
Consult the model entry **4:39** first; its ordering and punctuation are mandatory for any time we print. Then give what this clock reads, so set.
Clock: **8:13**
